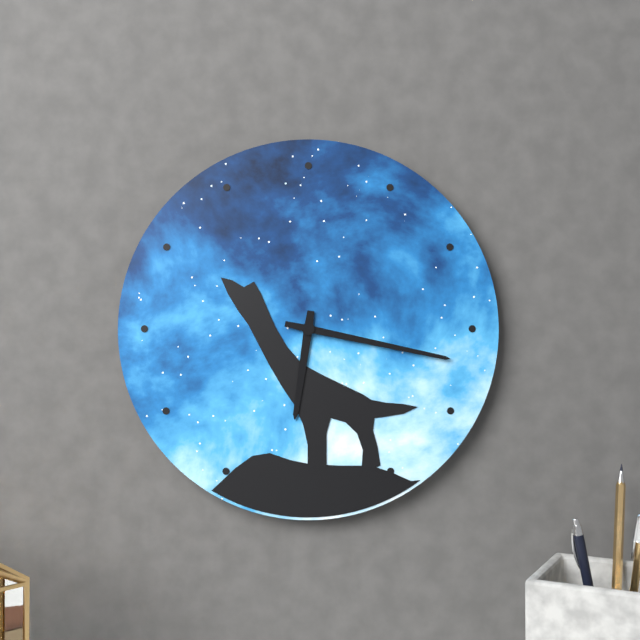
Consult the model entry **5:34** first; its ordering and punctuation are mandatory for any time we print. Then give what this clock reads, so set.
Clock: **6:17**
